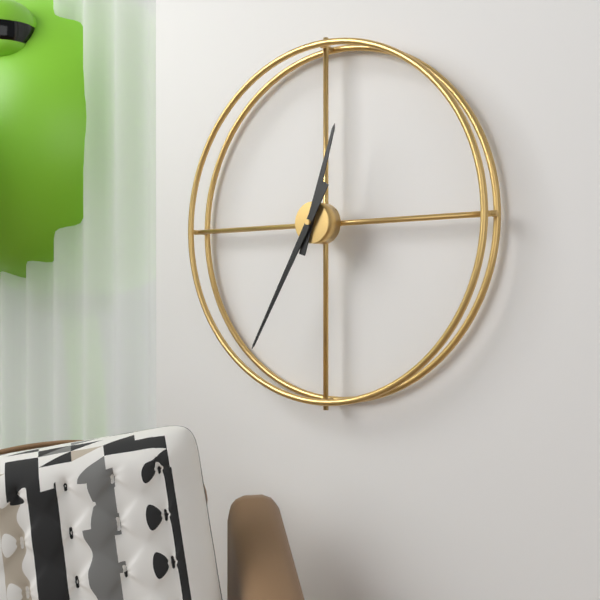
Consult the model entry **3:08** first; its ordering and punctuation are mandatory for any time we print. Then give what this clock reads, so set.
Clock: **12:35**
